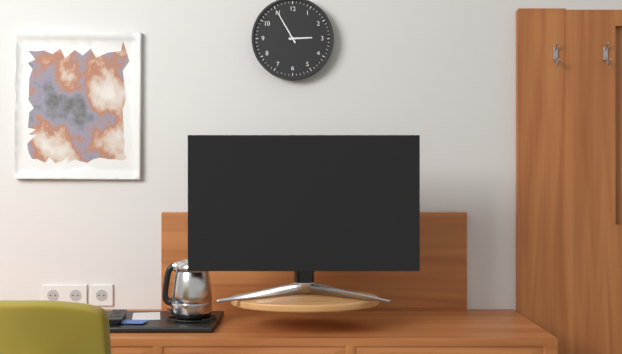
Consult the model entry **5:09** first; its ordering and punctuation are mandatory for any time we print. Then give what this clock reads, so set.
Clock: **2:55**
